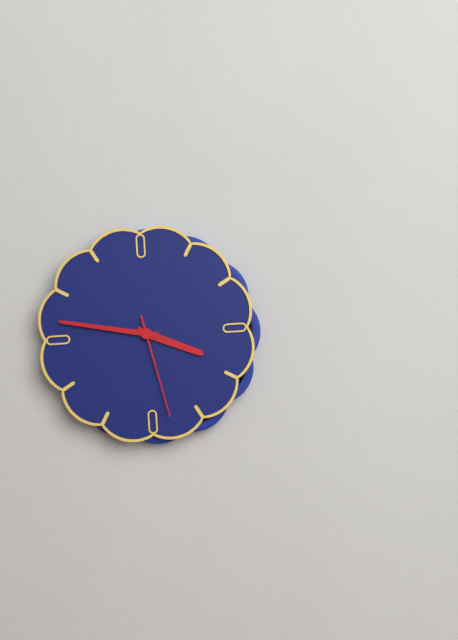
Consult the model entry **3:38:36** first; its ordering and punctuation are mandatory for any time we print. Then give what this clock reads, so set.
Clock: **3:47:28**
